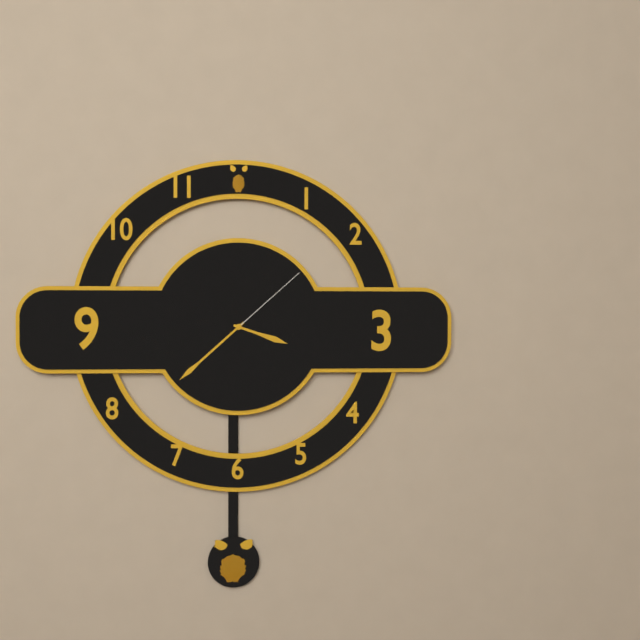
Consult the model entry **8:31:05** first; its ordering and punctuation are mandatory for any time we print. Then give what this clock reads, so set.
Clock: **3:38:08**
